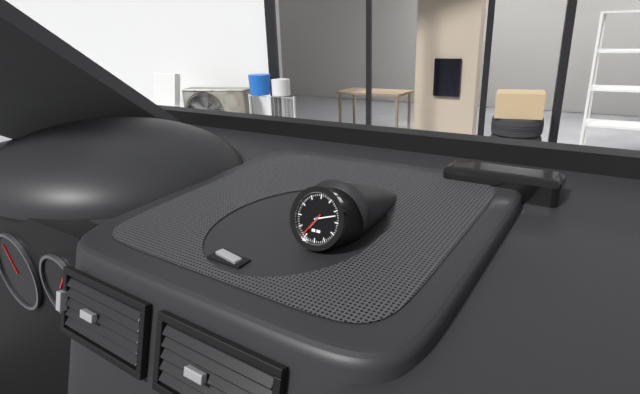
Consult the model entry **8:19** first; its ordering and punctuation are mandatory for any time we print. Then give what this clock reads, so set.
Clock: **7:12**
